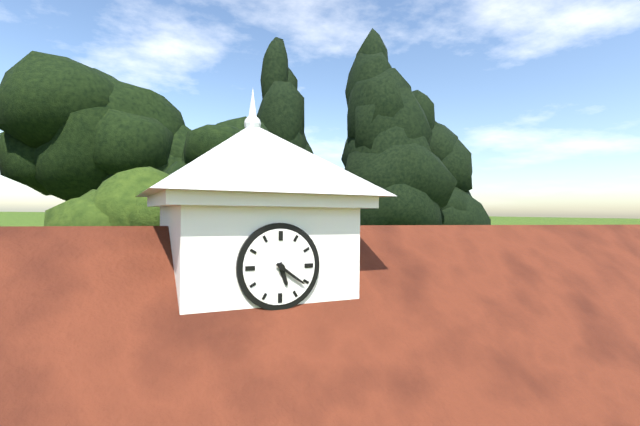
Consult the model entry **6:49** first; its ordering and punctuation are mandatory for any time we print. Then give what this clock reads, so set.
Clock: **5:21**
